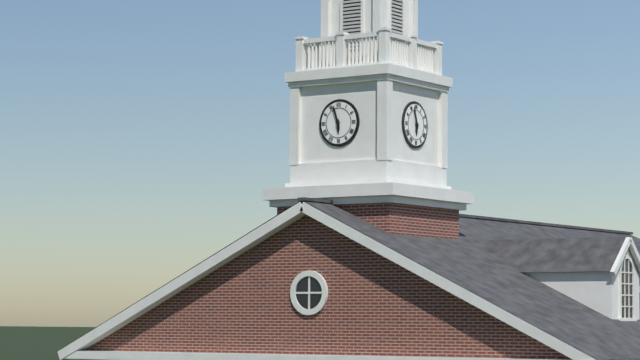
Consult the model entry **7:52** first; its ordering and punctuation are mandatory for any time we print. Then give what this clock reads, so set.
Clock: **5:57**
